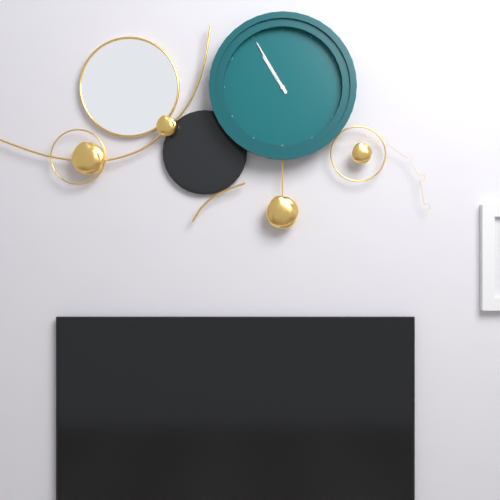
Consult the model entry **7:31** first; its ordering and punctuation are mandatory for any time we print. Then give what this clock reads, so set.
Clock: **10:55**
